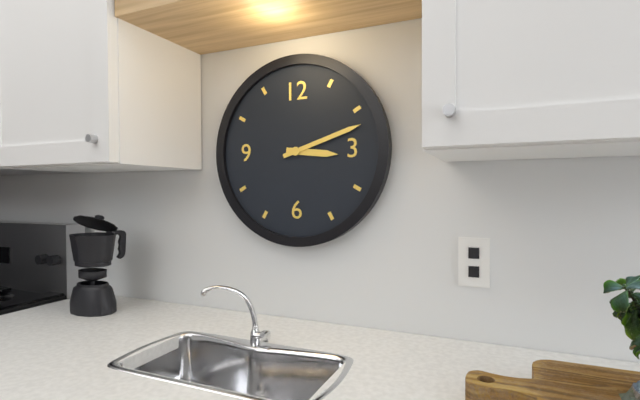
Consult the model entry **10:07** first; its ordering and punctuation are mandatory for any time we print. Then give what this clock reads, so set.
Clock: **3:12**
